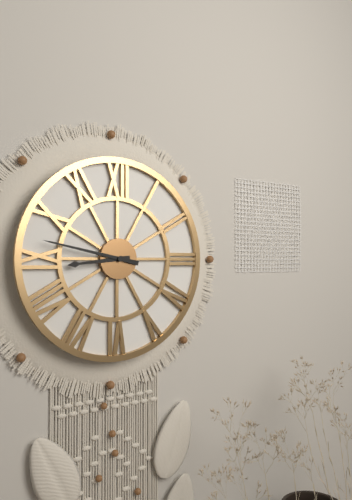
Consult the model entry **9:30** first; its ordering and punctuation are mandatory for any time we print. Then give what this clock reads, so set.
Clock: **8:47**
